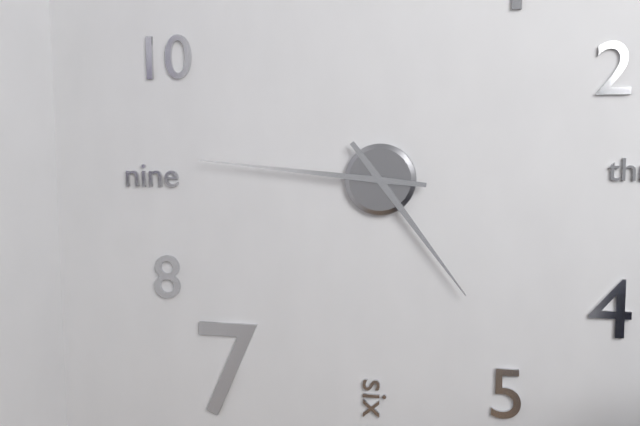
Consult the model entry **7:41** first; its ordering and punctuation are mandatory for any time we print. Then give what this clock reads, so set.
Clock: **4:46**
